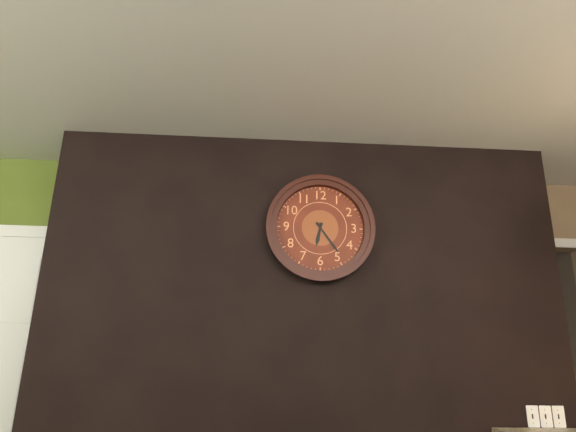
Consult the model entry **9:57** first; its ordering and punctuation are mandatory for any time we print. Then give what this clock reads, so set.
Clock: **6:24**
